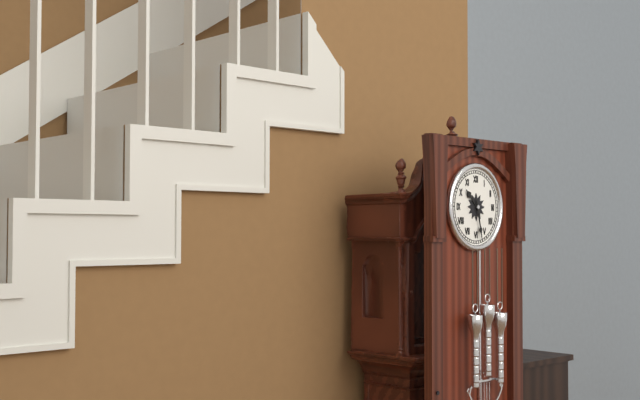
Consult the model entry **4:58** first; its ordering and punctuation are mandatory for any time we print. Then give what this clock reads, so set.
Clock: **10:28**
